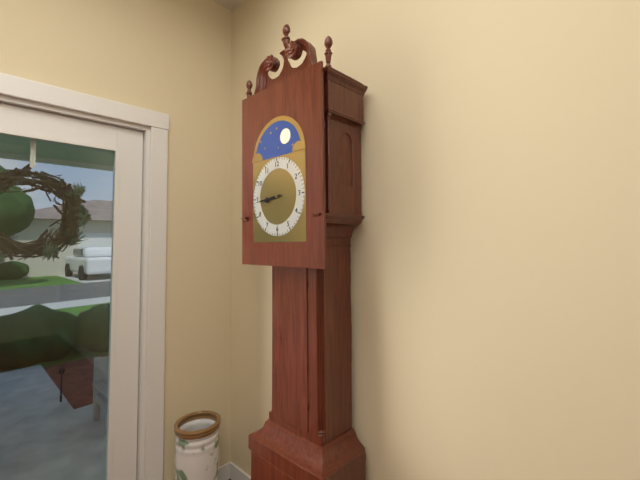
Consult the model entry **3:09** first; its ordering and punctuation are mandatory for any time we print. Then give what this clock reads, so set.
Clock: **8:44**
